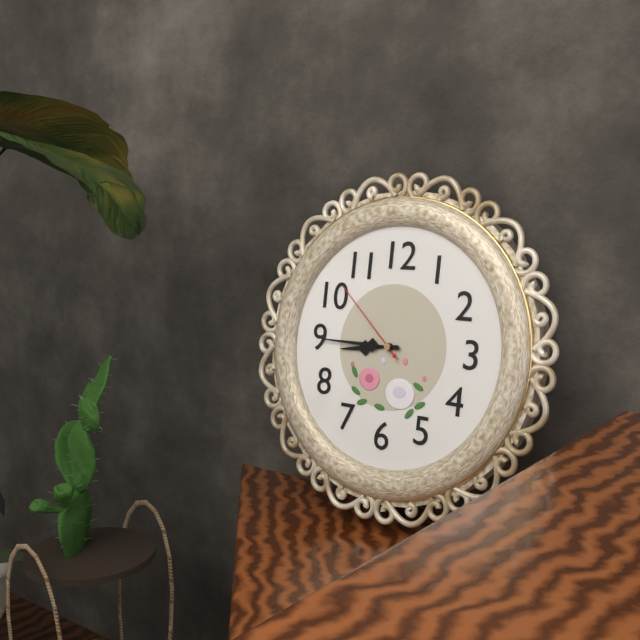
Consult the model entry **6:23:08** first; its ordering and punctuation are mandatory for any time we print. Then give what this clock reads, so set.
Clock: **8:45:52**
